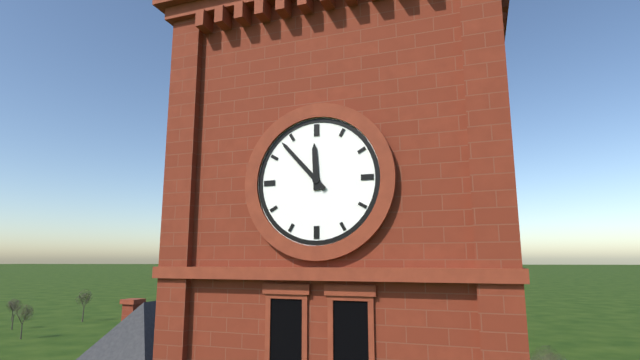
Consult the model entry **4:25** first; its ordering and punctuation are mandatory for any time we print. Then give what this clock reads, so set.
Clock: **11:53**
